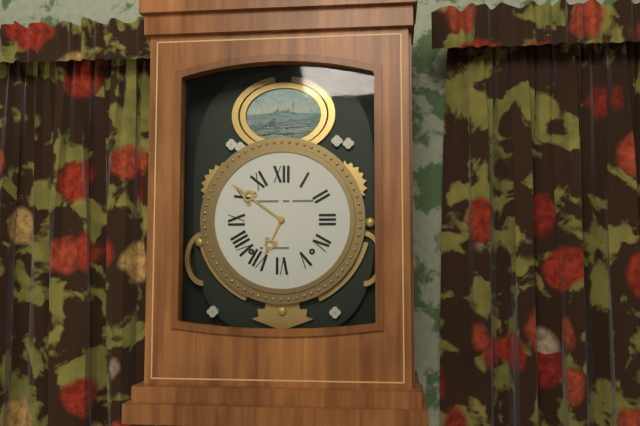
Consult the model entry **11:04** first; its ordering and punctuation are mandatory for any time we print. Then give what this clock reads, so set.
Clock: **6:51**
